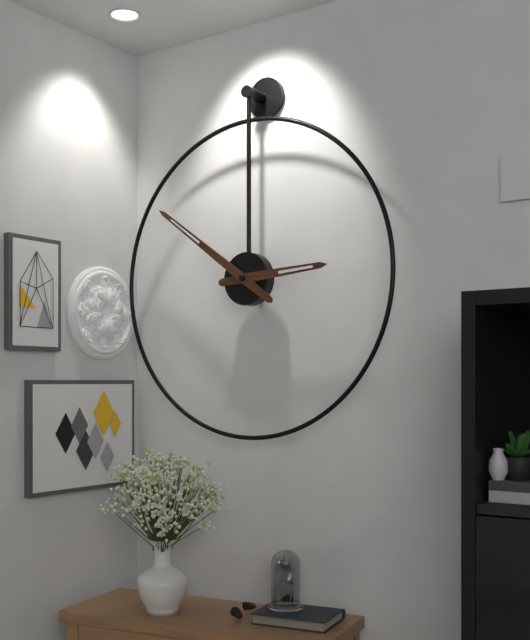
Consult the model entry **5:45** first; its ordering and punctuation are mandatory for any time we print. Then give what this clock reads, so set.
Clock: **2:51**
